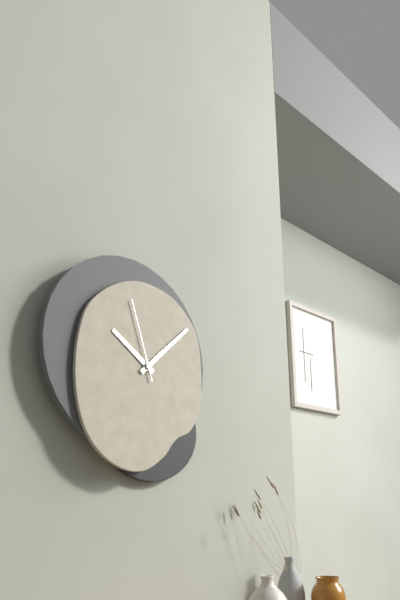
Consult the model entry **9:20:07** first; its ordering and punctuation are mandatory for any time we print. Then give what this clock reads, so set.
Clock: **10:08:57**
